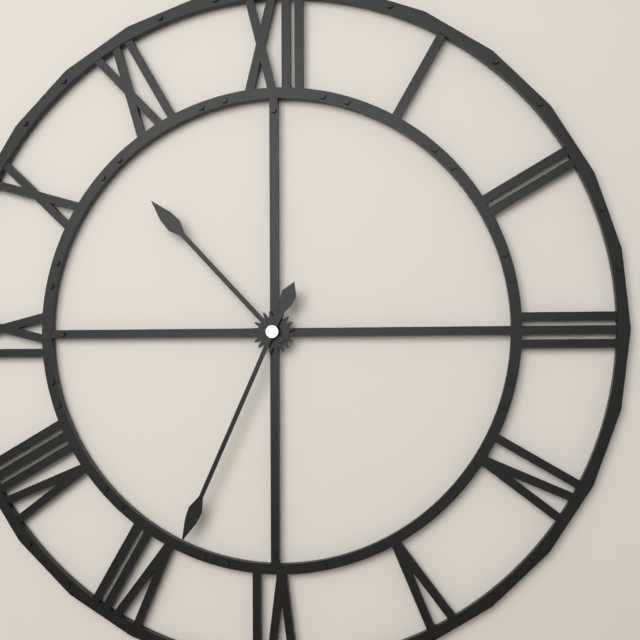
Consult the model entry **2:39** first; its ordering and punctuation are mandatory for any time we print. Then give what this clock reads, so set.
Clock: **10:34**
